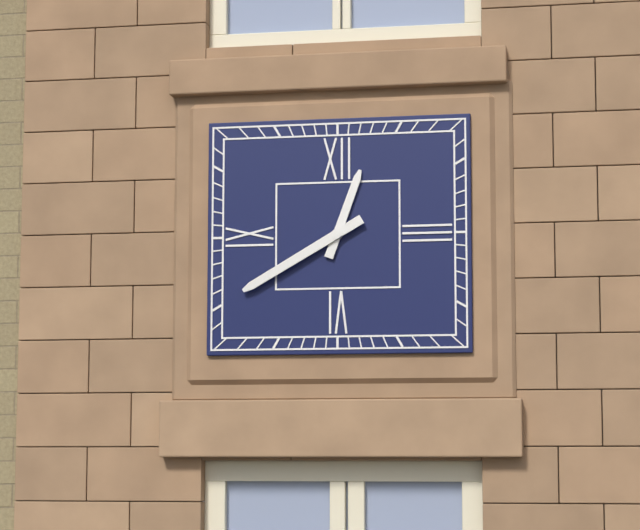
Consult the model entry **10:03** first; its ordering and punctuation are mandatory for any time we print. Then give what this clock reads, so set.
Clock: **12:40**
